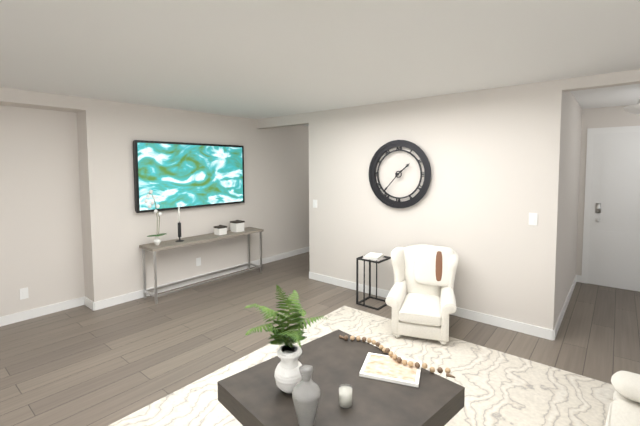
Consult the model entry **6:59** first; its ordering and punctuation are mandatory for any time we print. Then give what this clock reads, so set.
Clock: **1:37**
